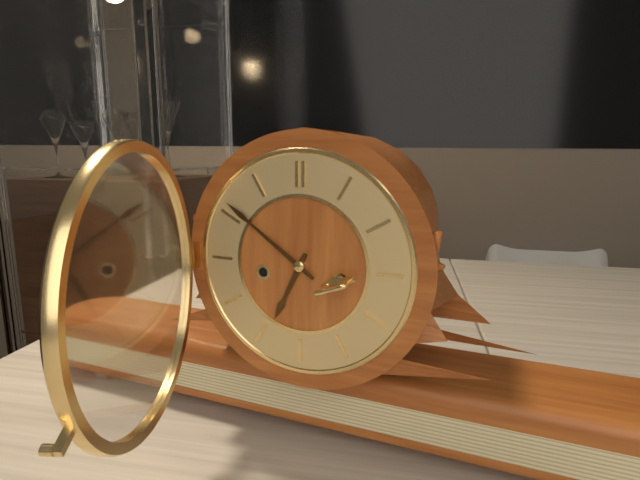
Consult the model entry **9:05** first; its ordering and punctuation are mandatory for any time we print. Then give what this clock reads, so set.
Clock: **6:51**
